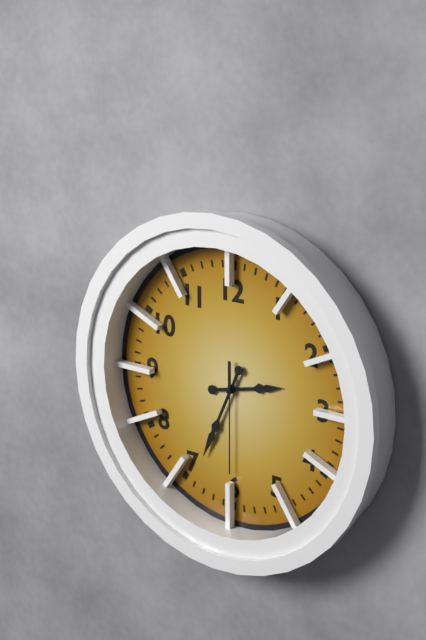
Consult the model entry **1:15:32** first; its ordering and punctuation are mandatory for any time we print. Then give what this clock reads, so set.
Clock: **2:34:30**
